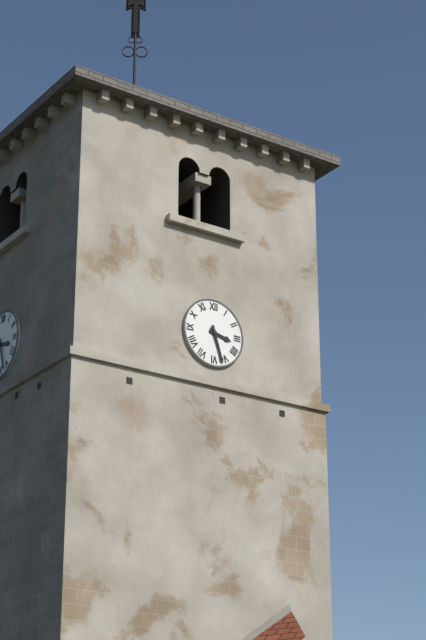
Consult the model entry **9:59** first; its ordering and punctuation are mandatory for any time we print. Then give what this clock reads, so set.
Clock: **3:27**
